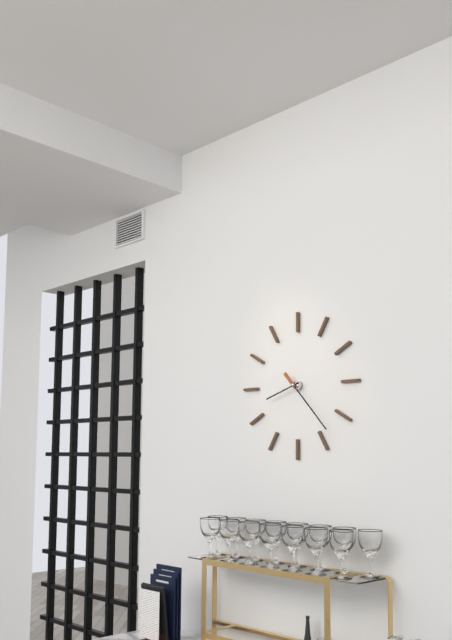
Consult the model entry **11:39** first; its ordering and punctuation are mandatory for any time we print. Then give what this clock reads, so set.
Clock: **8:23**
